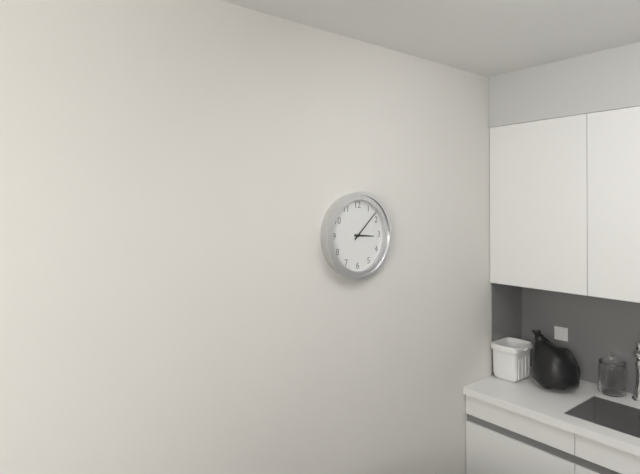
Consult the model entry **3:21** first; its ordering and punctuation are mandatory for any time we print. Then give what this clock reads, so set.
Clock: **3:08**
